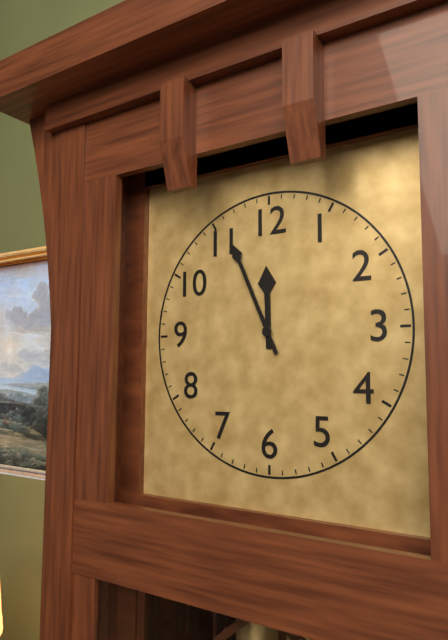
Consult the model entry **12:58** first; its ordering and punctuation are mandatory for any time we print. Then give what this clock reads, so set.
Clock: **11:56**
